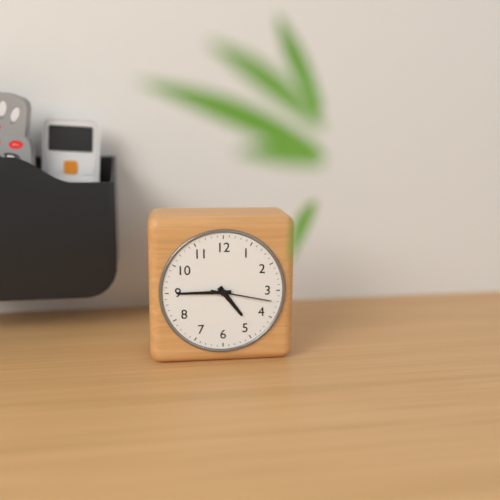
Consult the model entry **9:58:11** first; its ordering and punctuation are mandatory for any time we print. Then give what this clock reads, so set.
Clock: **4:45:17**
